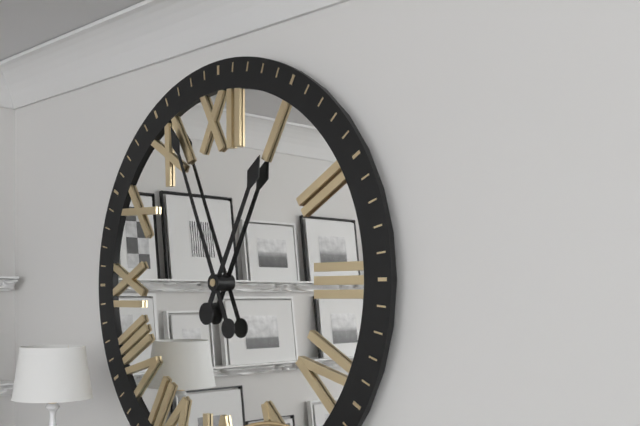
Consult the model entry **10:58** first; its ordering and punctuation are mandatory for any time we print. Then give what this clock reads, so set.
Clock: **12:56**
